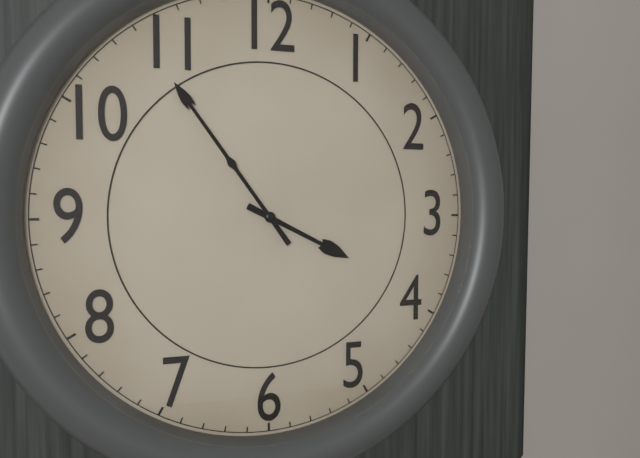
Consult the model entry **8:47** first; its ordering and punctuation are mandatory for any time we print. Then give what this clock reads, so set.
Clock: **3:54**
